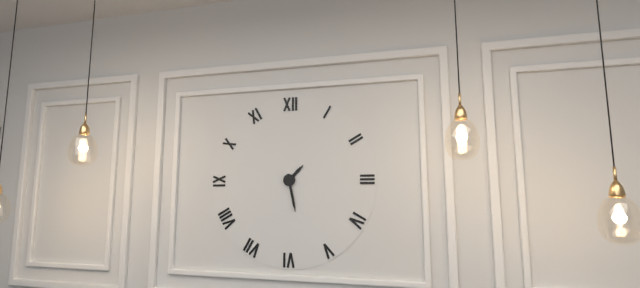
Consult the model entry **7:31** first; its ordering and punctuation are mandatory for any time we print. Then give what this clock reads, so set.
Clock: **1:28**
